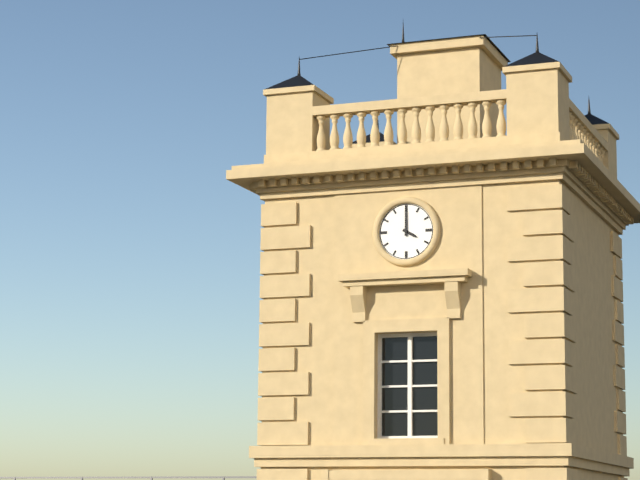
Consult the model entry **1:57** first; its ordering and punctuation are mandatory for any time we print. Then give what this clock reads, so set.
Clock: **4:00**
